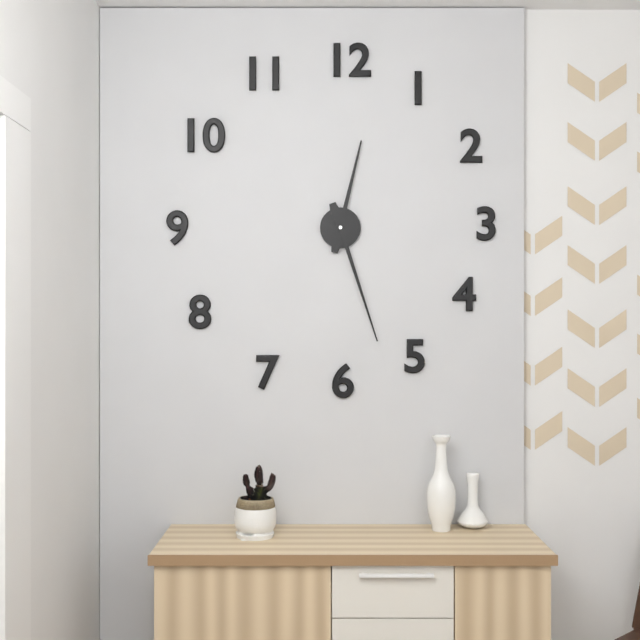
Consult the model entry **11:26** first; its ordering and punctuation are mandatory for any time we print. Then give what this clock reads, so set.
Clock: **12:27**
